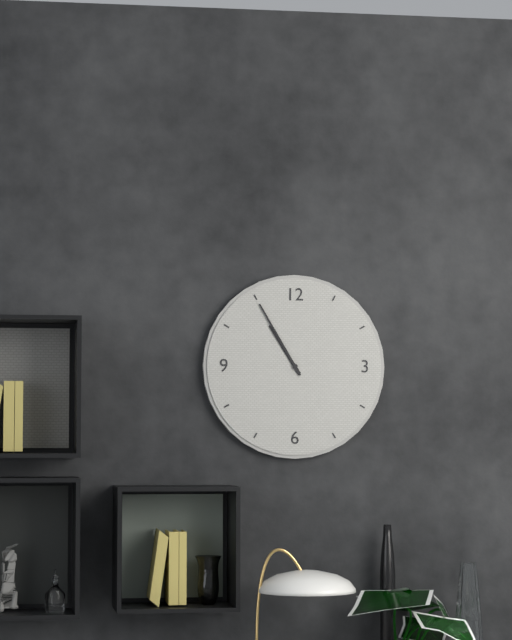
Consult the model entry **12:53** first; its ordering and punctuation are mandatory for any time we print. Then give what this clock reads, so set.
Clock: **10:55**
